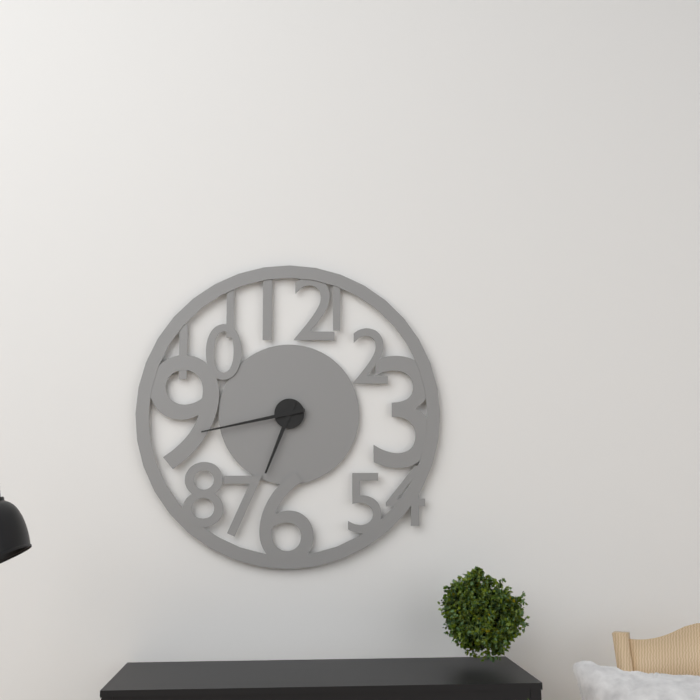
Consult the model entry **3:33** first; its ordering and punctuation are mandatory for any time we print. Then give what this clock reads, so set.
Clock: **6:43**
